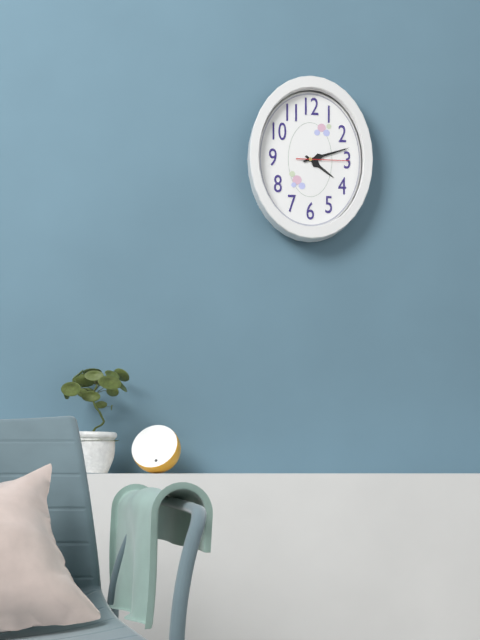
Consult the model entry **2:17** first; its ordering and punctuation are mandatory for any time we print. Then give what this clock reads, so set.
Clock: **4:12**
